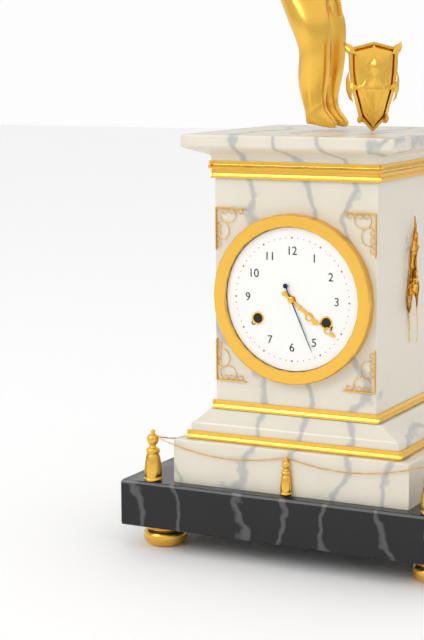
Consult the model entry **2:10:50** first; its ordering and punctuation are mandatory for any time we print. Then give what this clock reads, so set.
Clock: **4:21:26**
